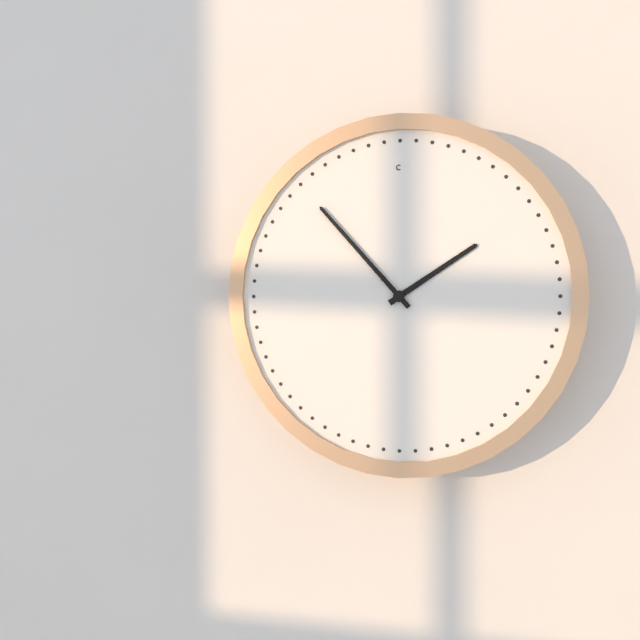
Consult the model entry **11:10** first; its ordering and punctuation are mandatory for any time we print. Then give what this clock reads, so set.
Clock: **1:53**
